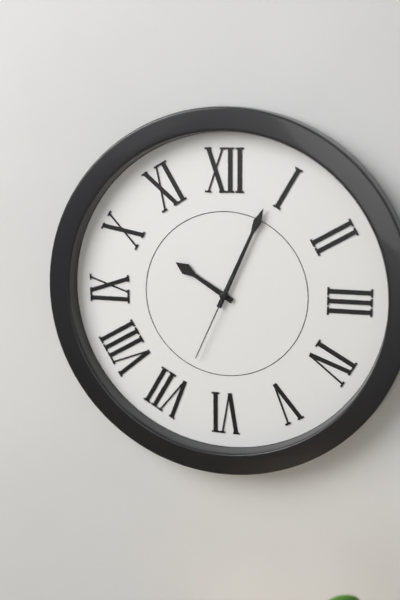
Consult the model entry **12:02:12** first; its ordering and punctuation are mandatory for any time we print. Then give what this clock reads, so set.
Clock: **10:04:34**
